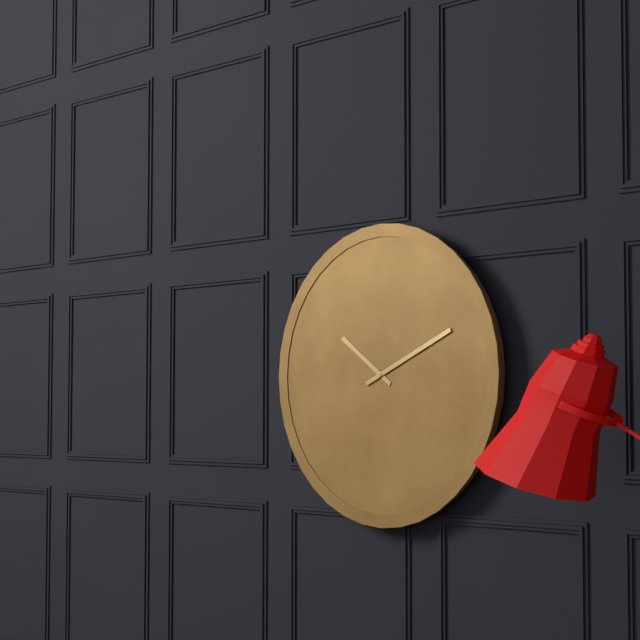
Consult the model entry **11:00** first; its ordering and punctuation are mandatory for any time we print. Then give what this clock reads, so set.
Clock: **10:11**
